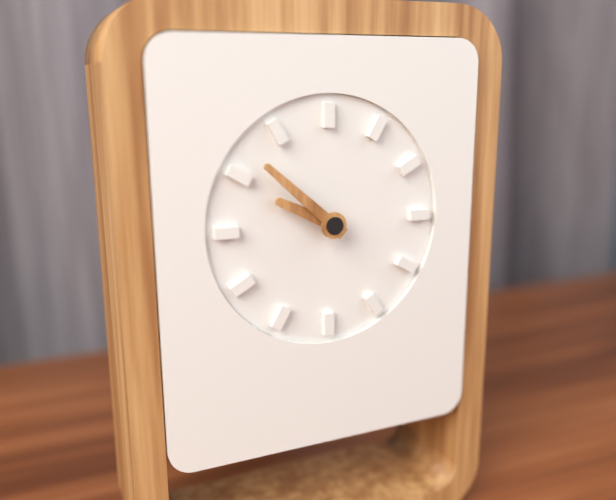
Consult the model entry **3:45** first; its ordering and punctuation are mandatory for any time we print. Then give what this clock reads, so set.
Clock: **9:52**
